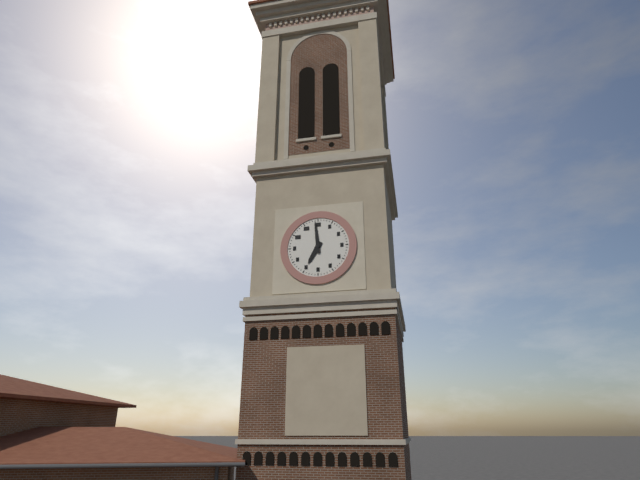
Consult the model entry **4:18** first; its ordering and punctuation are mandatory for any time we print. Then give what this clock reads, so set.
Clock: **6:59**
